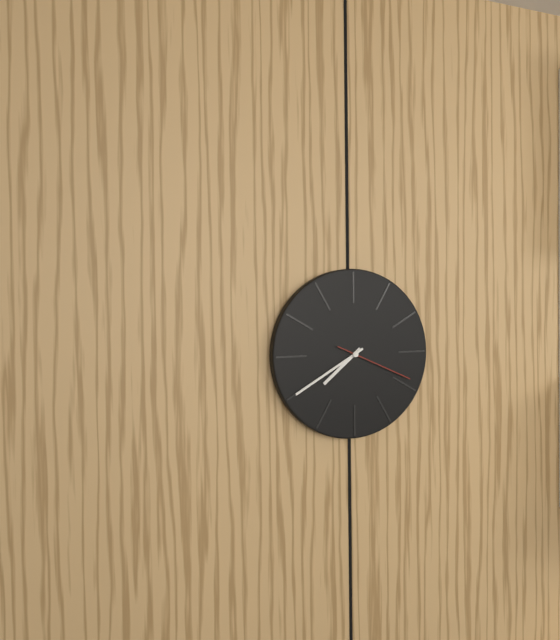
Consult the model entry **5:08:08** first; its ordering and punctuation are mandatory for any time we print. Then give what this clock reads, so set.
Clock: **7:40:19**
